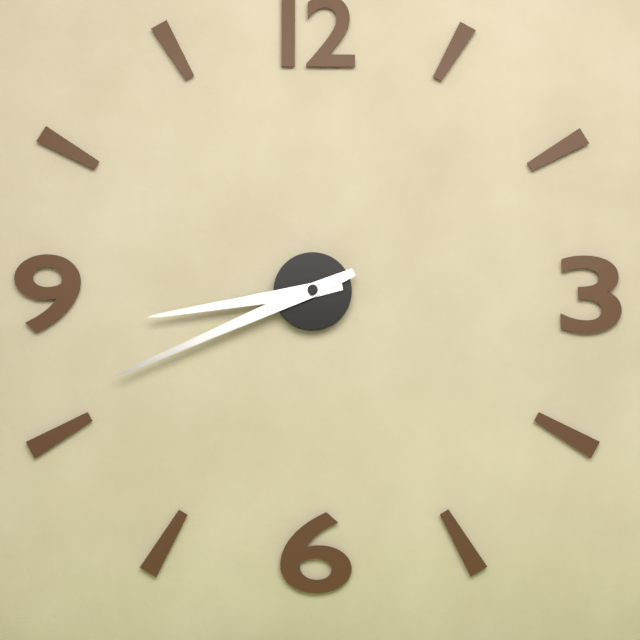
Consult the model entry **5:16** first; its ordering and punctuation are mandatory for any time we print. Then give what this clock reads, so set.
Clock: **8:41**
